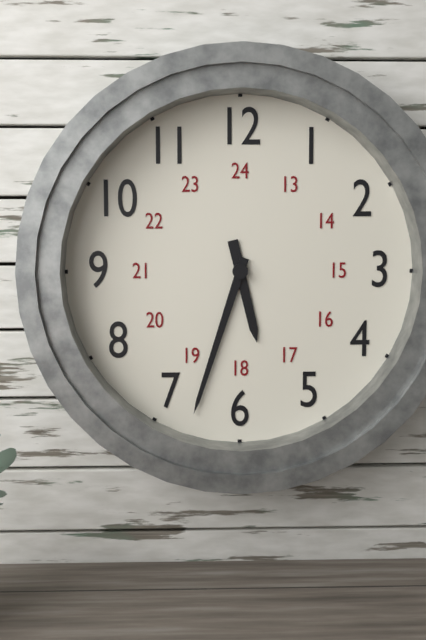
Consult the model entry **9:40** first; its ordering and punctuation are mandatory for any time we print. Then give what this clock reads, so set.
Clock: **5:33**
